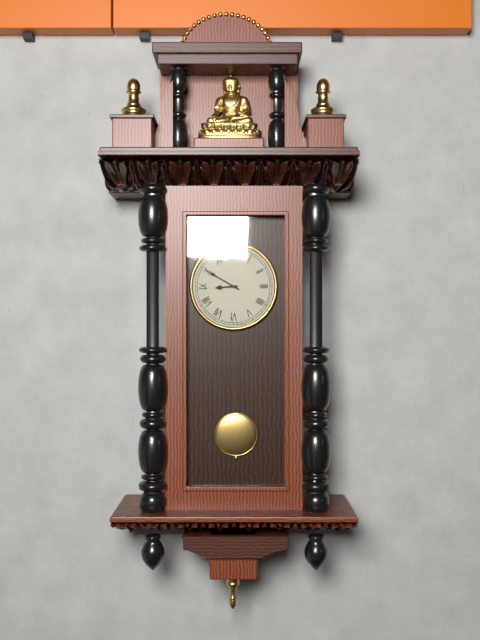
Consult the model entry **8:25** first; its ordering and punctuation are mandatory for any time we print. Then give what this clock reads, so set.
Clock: **8:50**
